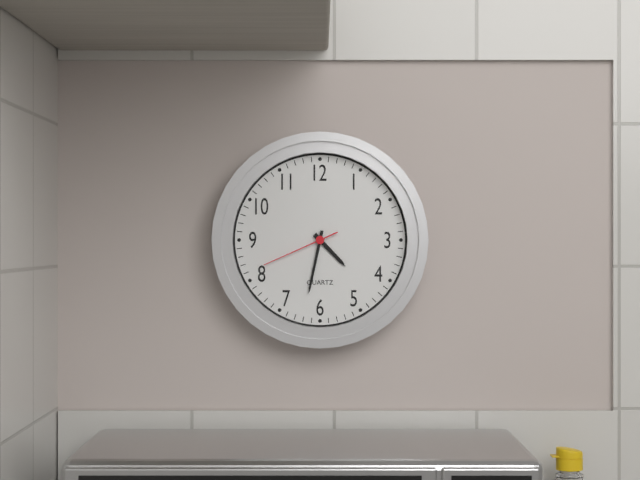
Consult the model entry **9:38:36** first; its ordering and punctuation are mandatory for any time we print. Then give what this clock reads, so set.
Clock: **4:32:41**
